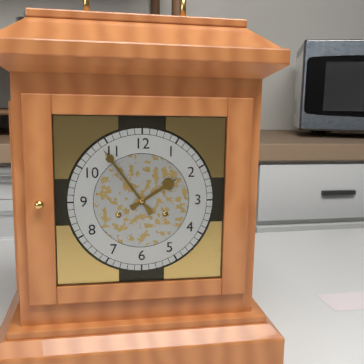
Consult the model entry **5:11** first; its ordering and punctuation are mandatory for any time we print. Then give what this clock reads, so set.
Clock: **1:54**
